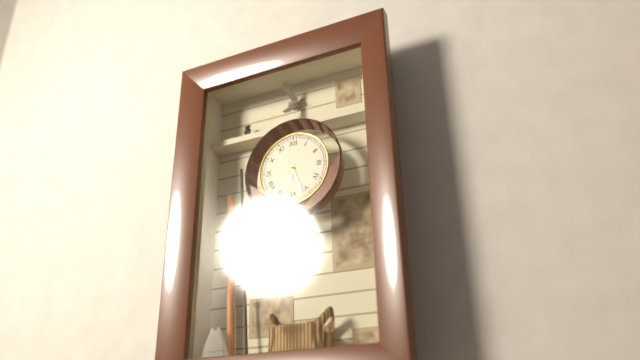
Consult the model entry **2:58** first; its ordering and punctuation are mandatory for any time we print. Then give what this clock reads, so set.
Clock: **6:27**
